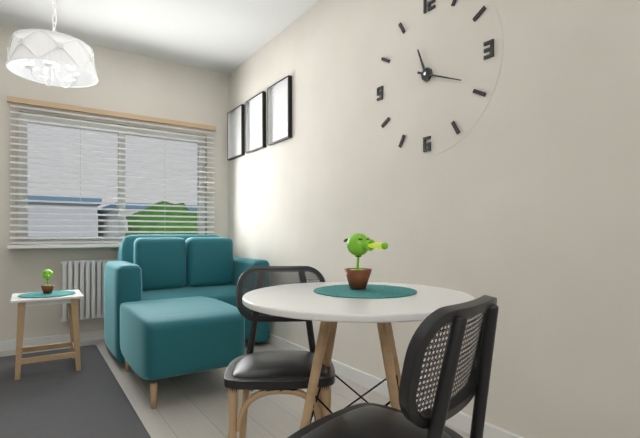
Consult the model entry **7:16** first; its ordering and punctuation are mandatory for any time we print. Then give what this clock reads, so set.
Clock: **11:19**
